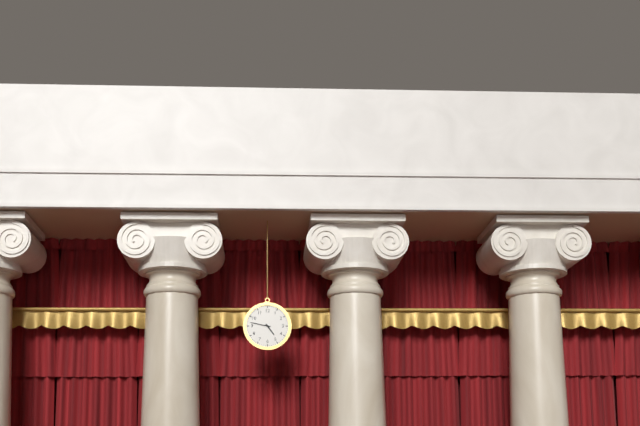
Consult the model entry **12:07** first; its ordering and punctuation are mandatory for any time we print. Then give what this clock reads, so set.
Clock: **4:47**
